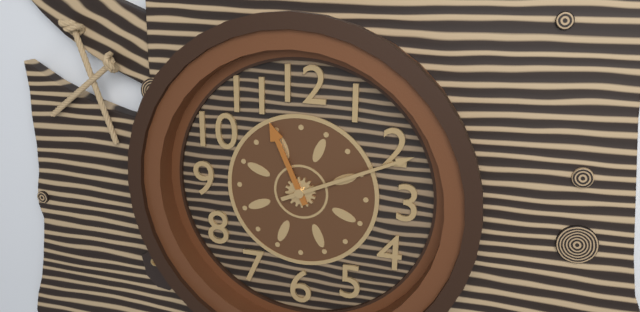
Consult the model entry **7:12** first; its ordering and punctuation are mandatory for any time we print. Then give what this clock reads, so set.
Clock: **11:11**
